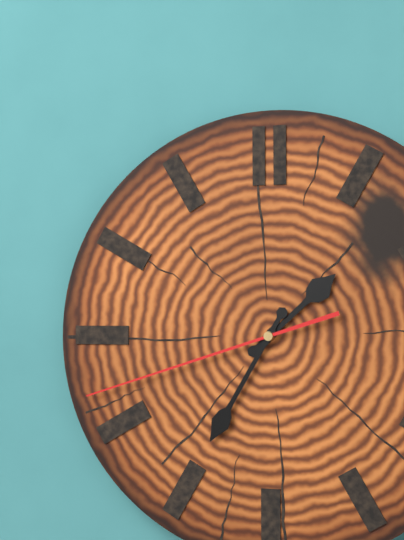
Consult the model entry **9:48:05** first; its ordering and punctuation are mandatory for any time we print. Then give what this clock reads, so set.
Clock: **1:35:42**
